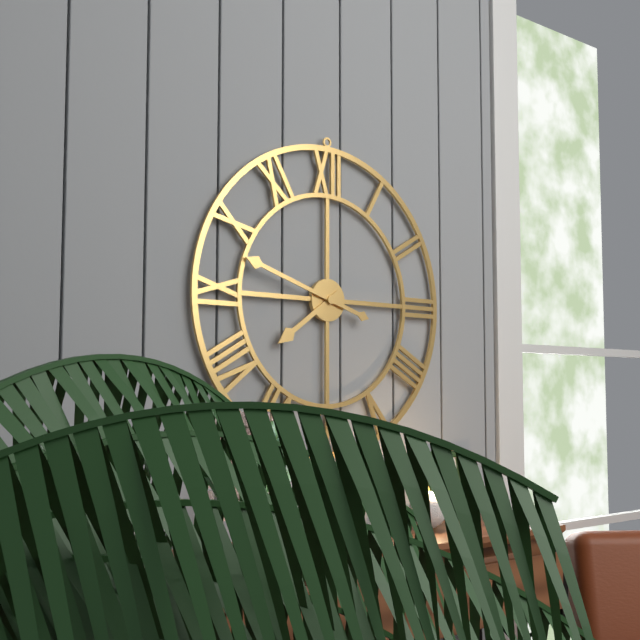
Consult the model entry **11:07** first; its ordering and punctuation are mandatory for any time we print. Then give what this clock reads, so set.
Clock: **7:48**
